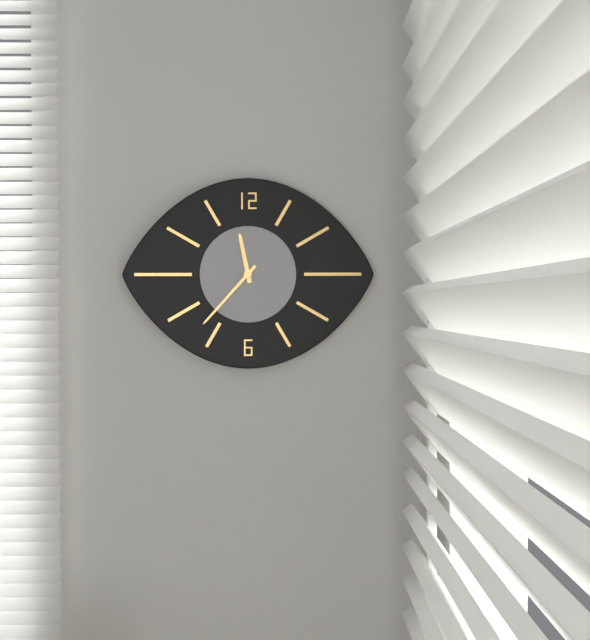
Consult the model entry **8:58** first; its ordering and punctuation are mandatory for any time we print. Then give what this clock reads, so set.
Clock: **11:37**
